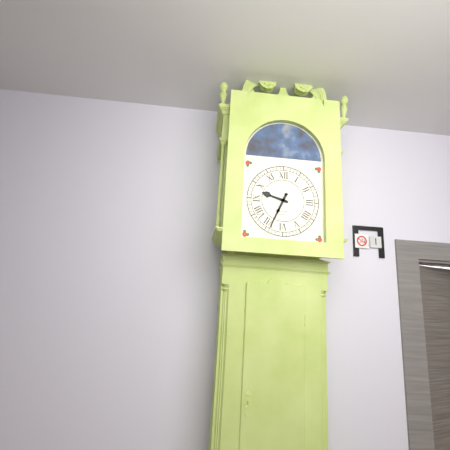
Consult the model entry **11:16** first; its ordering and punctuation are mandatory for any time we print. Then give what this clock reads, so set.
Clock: **9:34**
